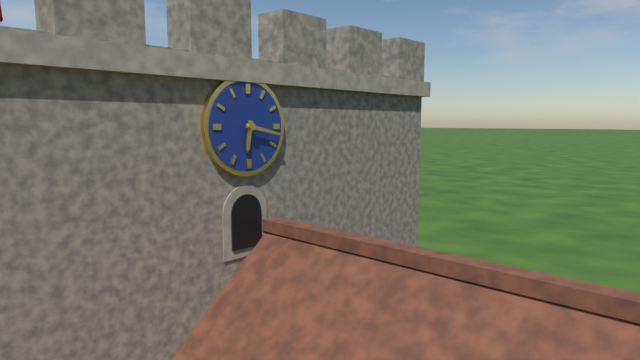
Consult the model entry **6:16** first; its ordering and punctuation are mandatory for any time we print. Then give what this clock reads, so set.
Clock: **6:17**
